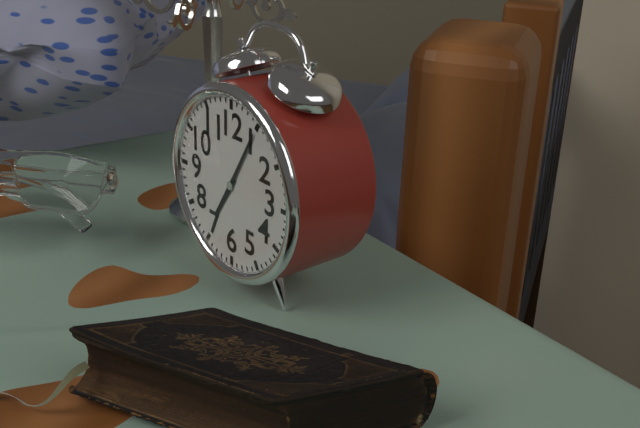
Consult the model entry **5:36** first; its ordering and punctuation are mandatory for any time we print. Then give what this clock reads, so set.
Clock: **7:05**
